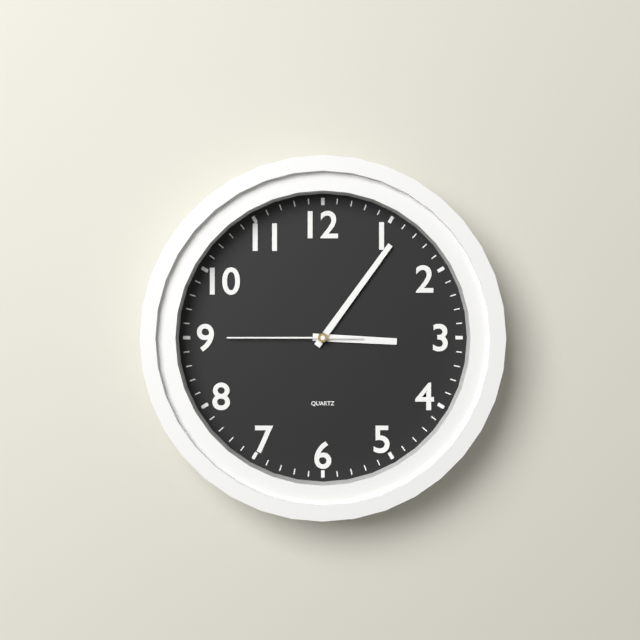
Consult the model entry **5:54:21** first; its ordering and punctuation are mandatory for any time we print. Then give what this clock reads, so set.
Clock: **3:06:45**
